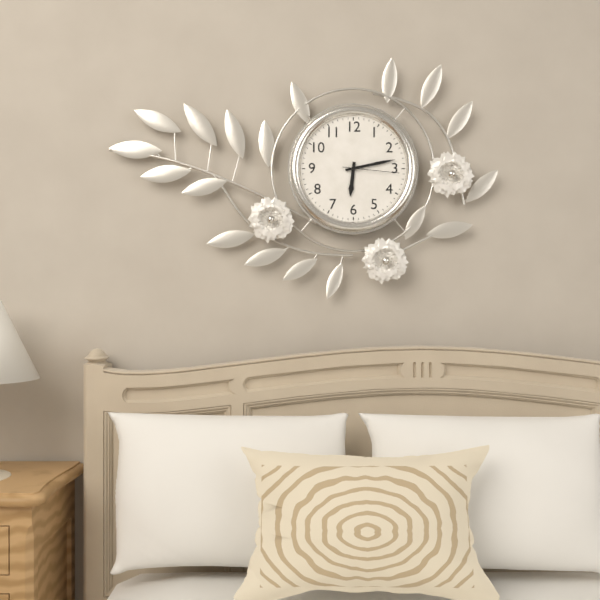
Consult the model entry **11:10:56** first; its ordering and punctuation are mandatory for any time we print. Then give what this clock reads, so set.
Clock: **6:13:16**
